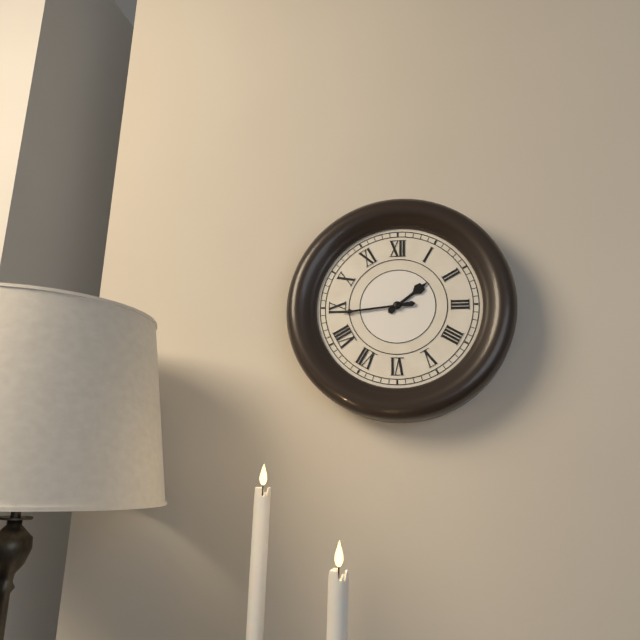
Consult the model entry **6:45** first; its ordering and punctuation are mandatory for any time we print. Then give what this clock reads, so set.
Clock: **1:44**
